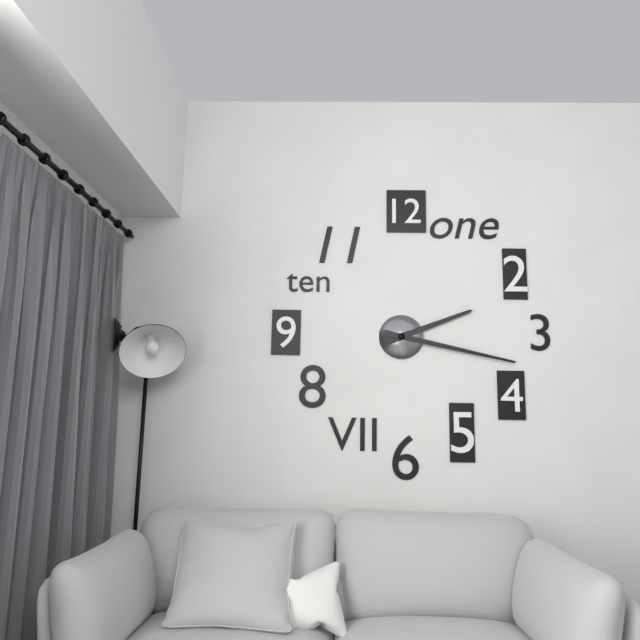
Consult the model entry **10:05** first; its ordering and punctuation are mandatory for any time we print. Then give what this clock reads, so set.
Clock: **2:17**
